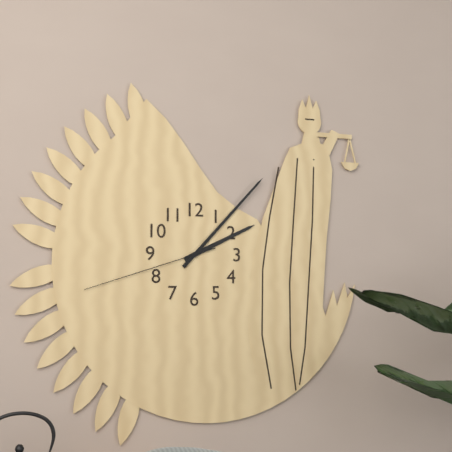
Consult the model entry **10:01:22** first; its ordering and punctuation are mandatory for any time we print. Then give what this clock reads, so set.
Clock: **2:07:42**
